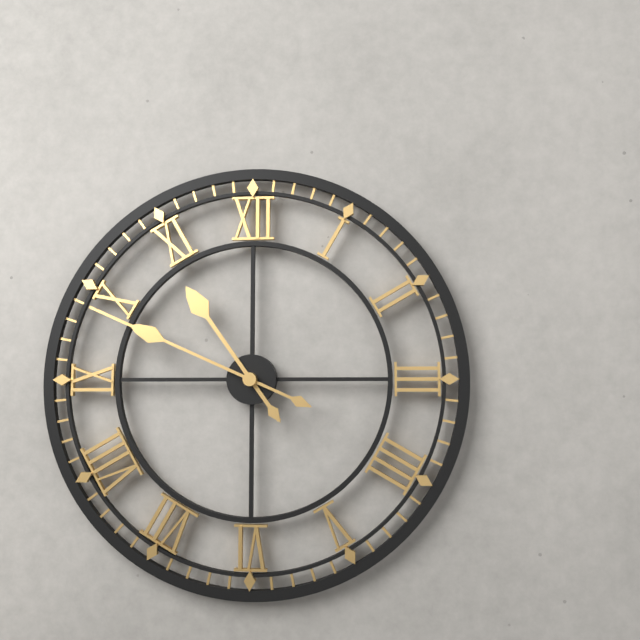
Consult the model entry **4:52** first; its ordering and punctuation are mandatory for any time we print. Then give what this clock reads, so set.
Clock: **10:49**
